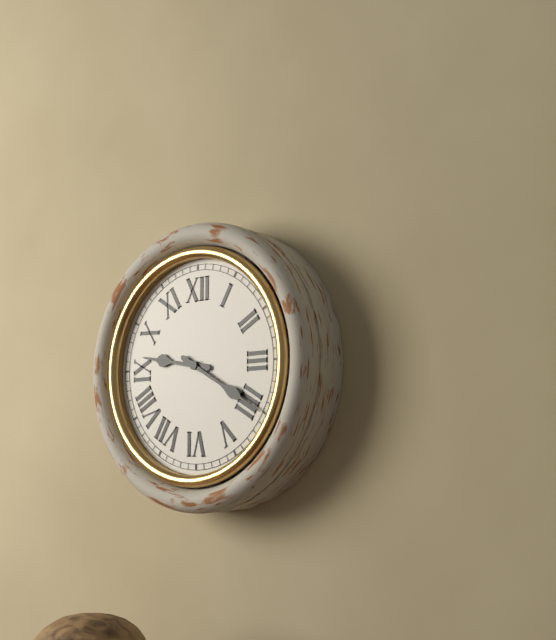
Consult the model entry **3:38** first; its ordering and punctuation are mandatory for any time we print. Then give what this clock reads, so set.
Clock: **9:20**
